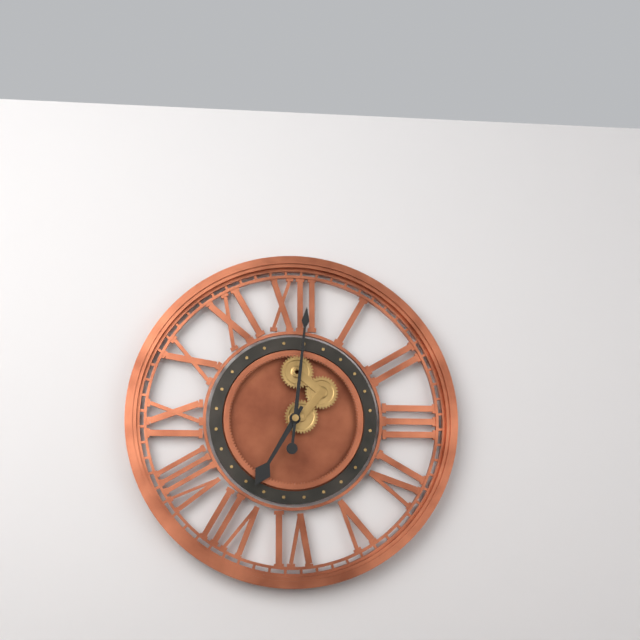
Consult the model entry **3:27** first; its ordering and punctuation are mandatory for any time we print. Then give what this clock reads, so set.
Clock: **7:01**
